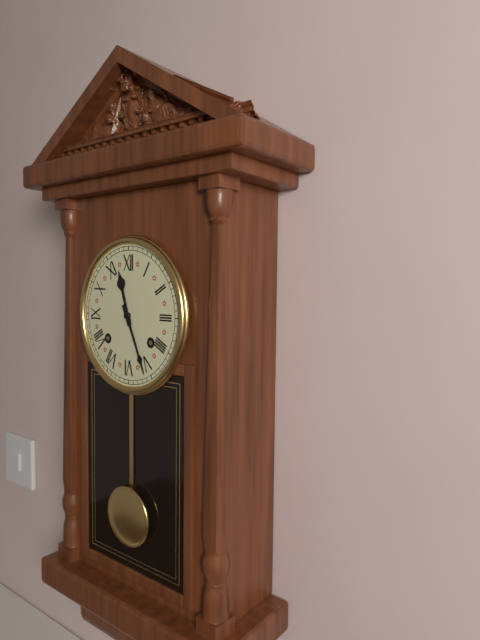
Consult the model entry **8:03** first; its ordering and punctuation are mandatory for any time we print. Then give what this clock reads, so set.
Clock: **11:26**
